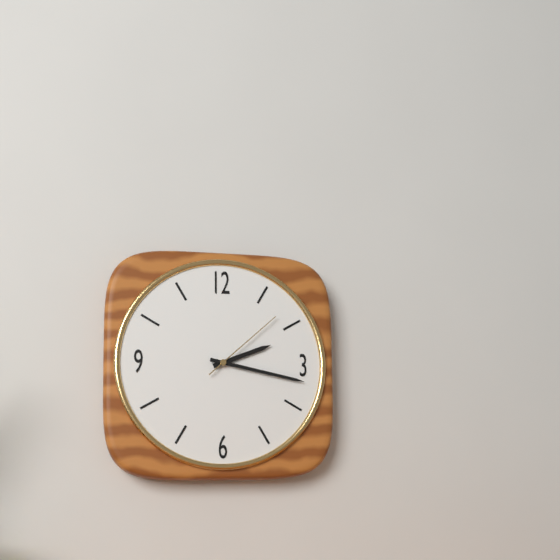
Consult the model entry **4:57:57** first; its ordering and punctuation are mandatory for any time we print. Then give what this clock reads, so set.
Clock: **2:17:08**
